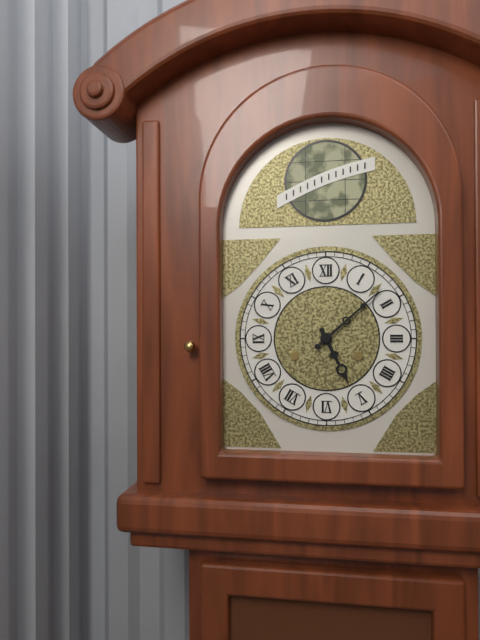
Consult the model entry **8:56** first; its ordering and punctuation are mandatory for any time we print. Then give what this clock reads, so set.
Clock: **5:08**
